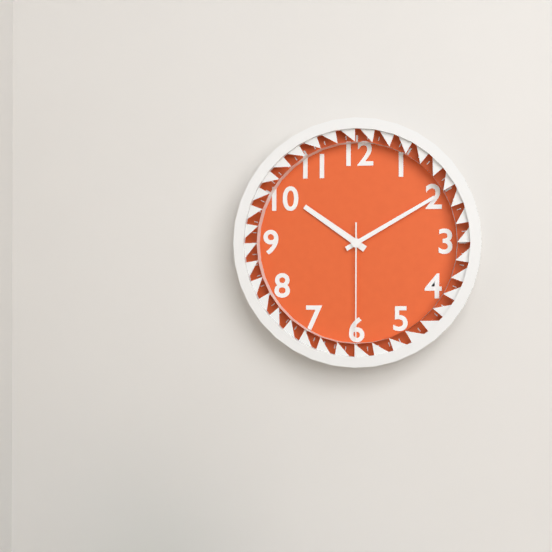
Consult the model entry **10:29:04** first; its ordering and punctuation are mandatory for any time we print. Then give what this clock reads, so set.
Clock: **10:10:30**
